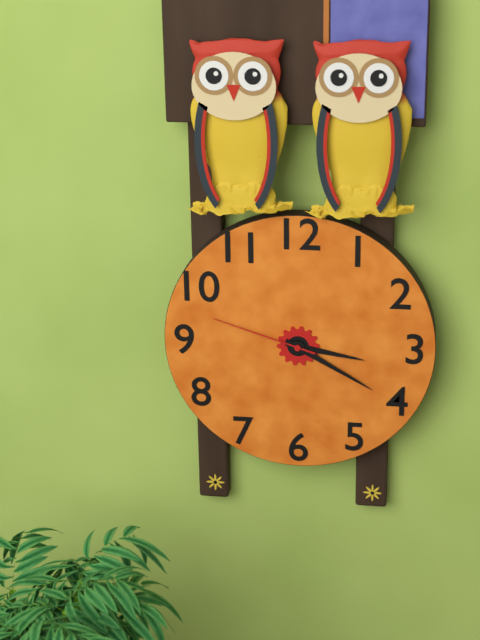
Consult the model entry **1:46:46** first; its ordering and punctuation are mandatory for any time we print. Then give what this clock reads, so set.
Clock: **3:20:48**
